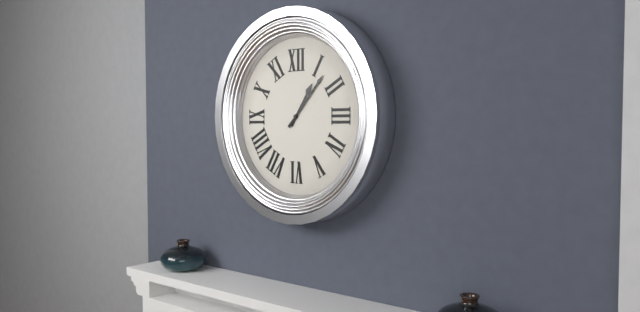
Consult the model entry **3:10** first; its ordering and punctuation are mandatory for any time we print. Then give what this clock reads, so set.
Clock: **1:07**
